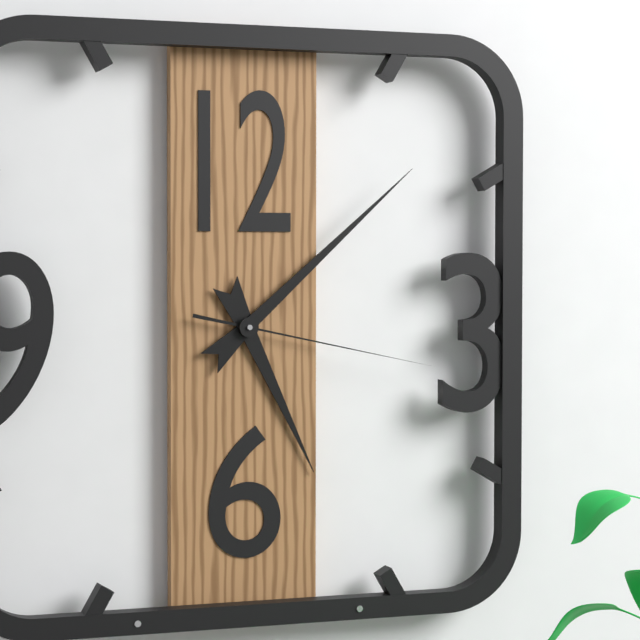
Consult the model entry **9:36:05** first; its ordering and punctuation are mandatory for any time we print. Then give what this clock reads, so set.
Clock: **5:08:17**
